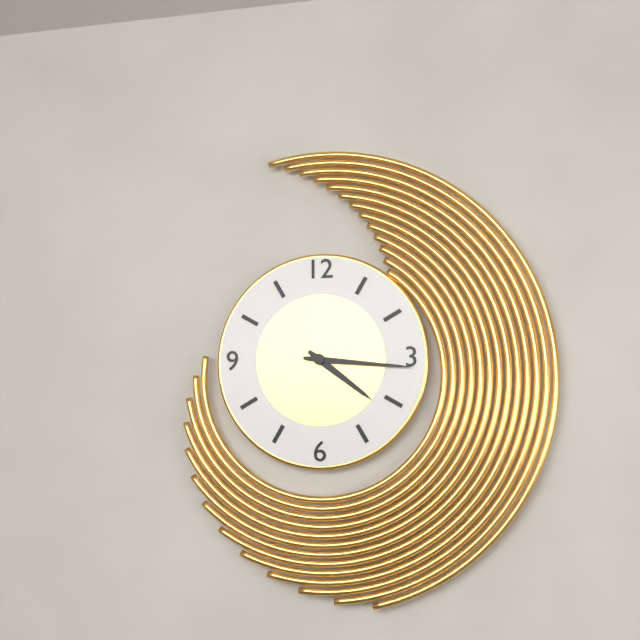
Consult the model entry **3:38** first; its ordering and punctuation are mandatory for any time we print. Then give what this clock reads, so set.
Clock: **4:16**
